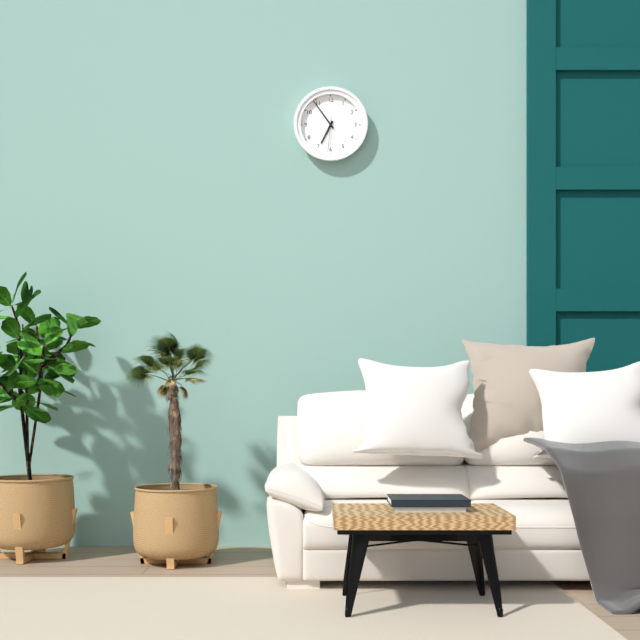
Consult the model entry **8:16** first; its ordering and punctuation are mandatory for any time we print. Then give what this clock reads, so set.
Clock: **6:54**
